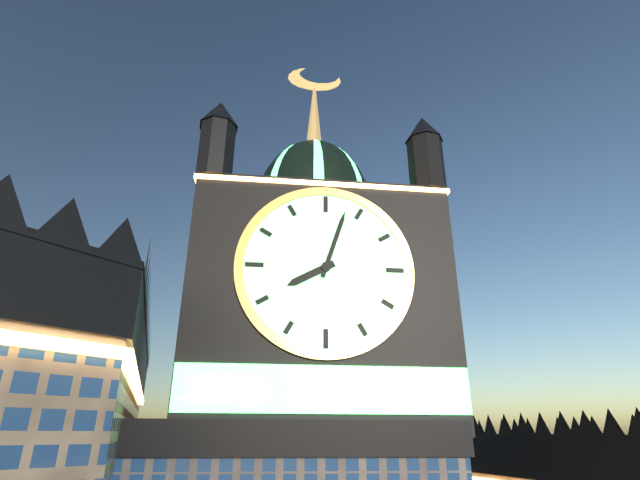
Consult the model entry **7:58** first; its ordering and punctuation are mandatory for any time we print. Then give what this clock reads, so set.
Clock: **8:03**
